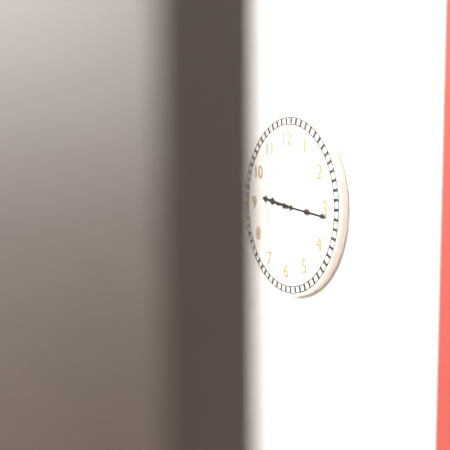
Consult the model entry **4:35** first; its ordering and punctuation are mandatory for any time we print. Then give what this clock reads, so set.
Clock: **9:16**
